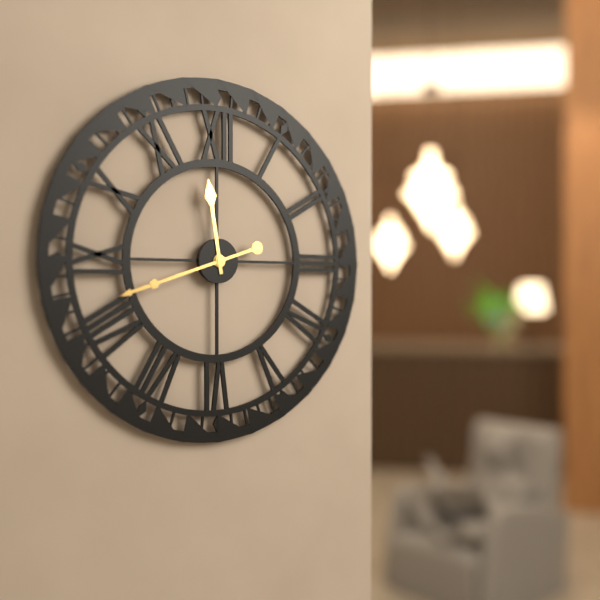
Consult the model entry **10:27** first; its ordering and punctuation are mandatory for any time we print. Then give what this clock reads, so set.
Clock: **11:42**
